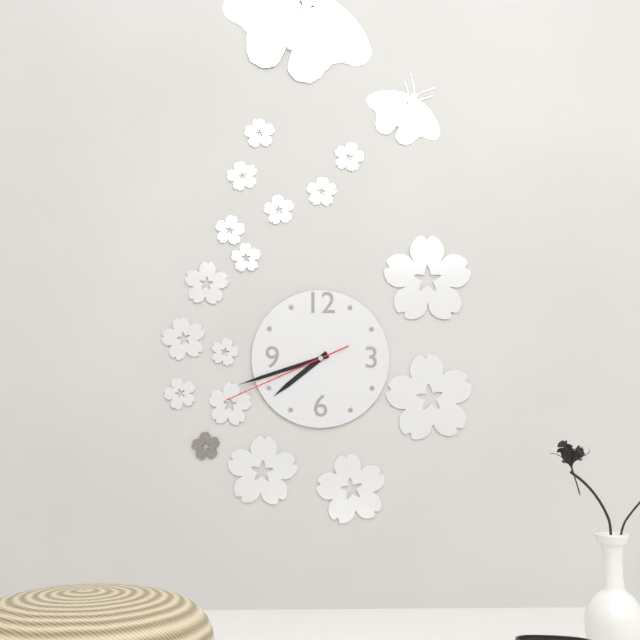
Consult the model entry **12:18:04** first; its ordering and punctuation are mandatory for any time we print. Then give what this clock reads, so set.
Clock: **7:42:41**
